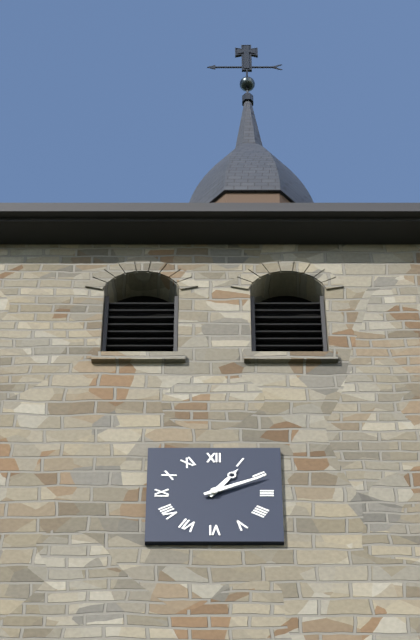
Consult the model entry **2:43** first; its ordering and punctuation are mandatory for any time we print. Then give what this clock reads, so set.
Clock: **1:11**
